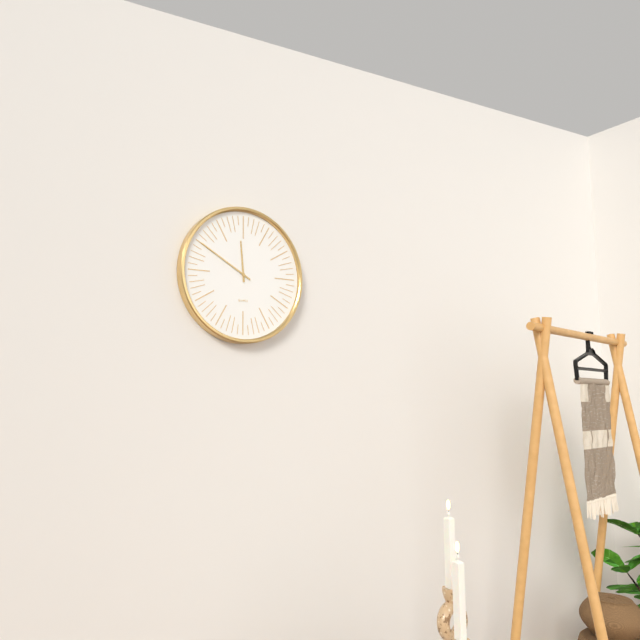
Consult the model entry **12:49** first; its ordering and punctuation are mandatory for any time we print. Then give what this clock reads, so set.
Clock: **11:50**
